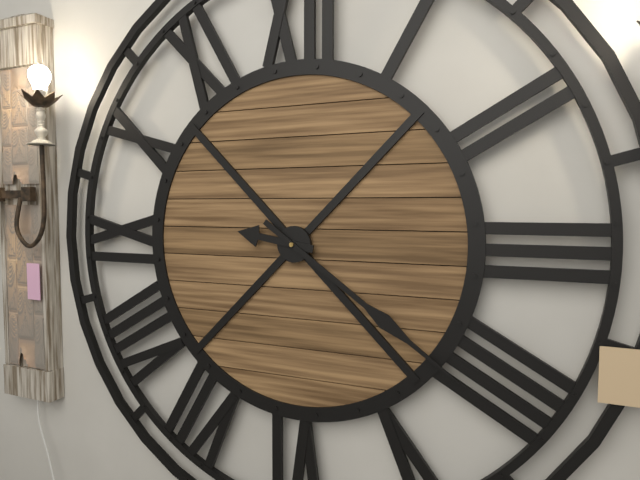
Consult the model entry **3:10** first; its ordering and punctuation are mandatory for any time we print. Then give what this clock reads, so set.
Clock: **9:21**
